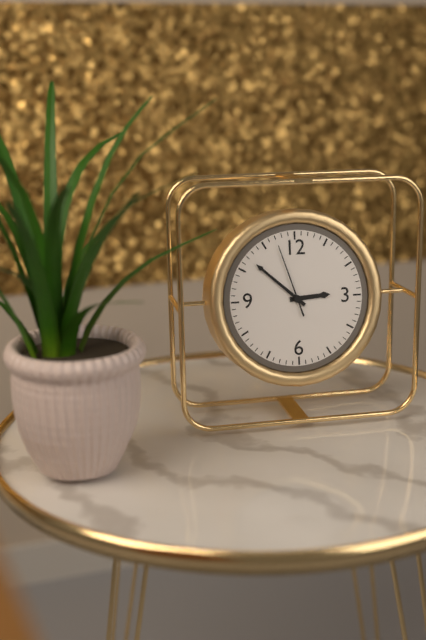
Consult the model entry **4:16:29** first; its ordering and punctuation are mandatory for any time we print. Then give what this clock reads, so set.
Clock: **2:52:57**
